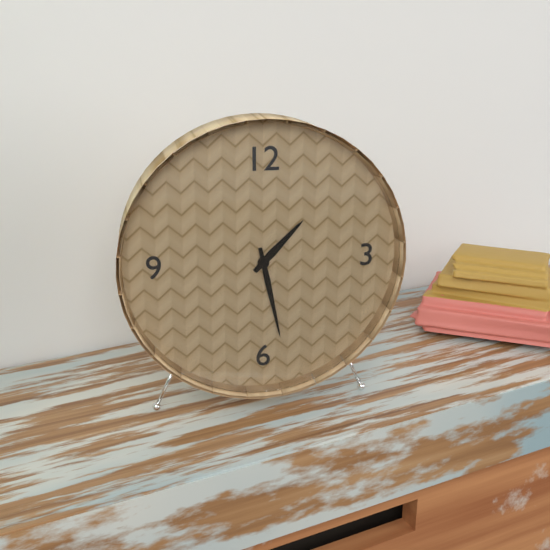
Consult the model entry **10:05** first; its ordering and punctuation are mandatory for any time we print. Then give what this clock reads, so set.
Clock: **1:28**
